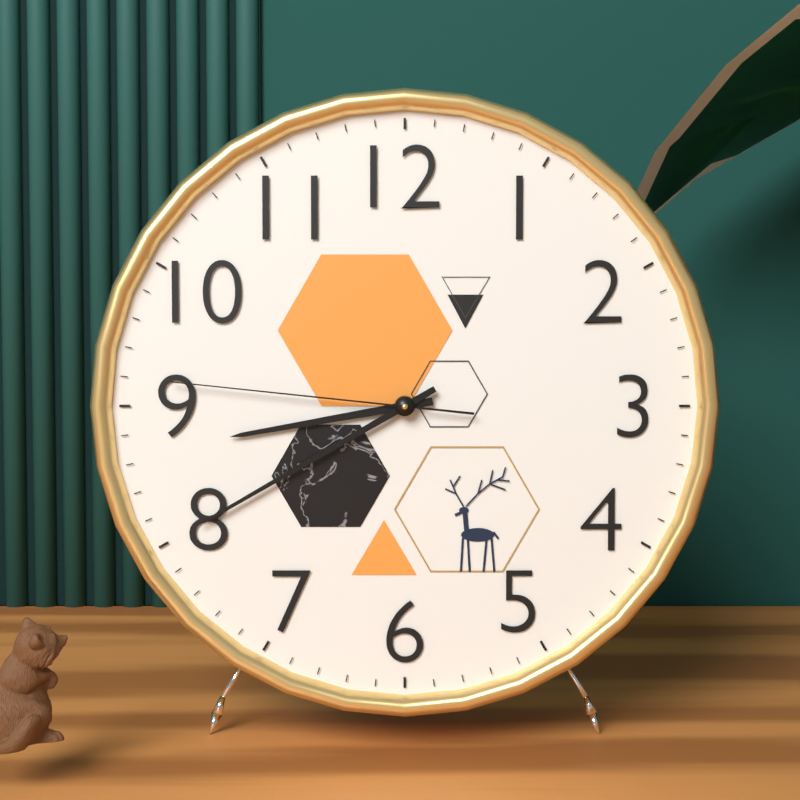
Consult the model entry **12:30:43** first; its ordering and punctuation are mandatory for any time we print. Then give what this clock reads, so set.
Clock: **8:40:46**
